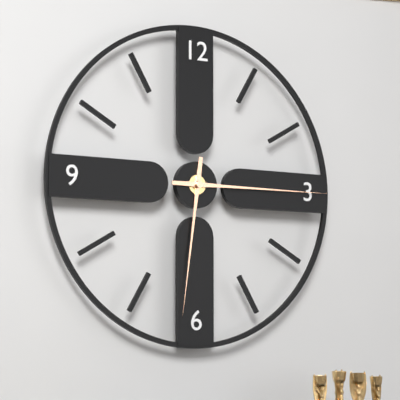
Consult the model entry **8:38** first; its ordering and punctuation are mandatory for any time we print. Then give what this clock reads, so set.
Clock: **6:15**
